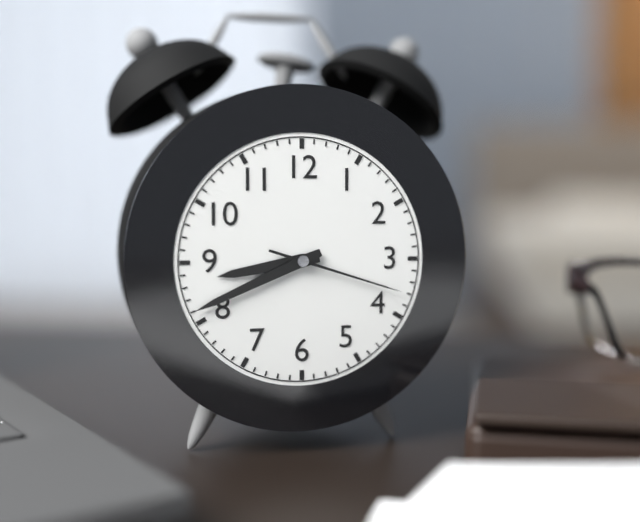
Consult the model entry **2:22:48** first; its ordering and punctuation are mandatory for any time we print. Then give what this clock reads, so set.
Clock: **8:41:18**
